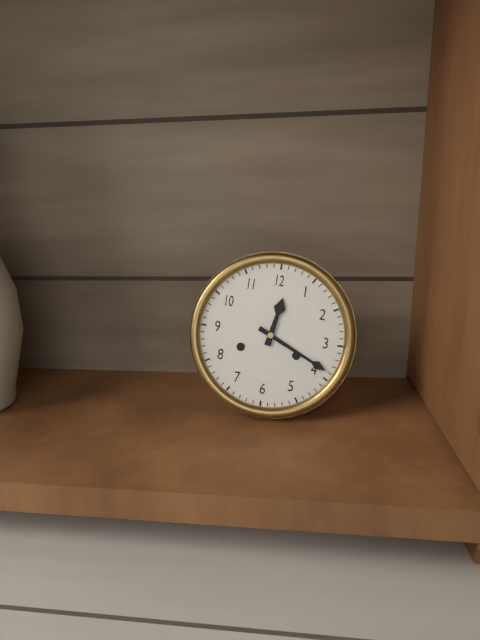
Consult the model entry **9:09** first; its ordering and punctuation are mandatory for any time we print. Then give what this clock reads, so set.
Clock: **12:19**
